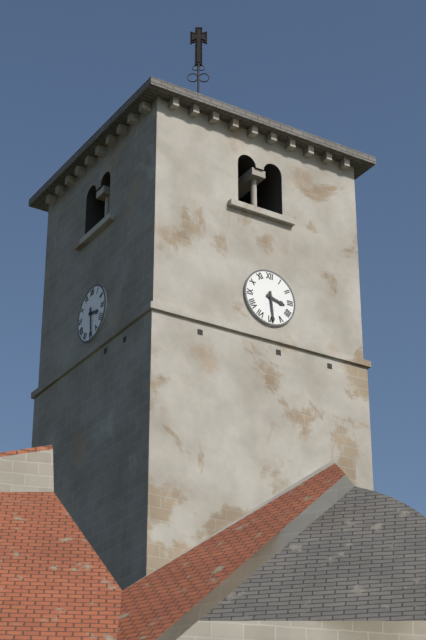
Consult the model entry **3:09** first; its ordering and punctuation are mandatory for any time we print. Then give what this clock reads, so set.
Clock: **3:29**
